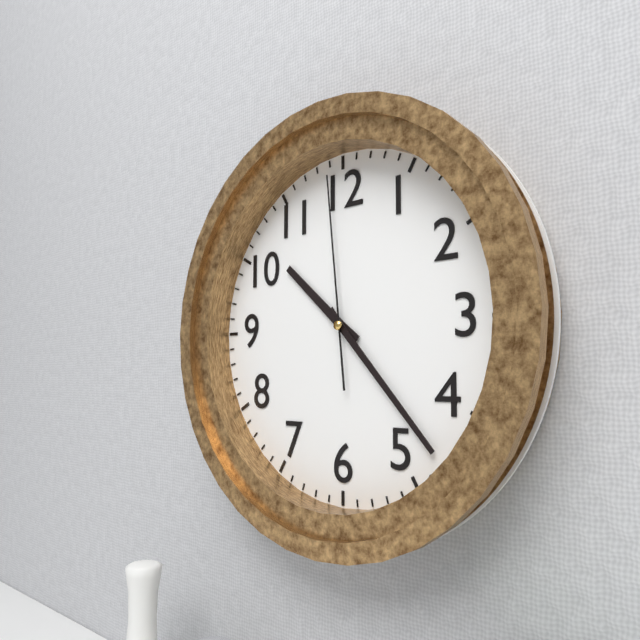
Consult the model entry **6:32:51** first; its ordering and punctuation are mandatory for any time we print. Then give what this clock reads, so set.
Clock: **10:23:59**
